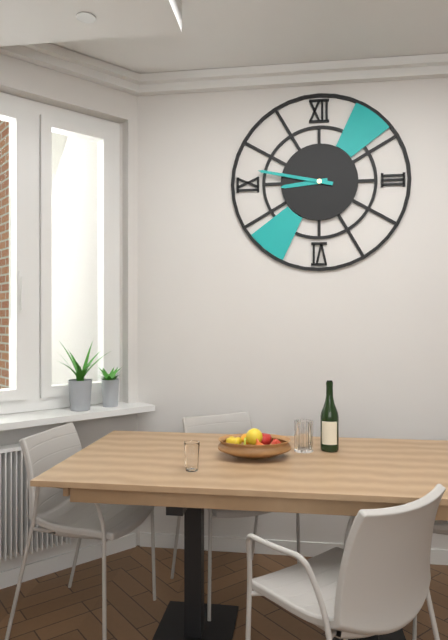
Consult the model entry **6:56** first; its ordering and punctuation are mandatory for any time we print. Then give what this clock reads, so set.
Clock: **8:47**
